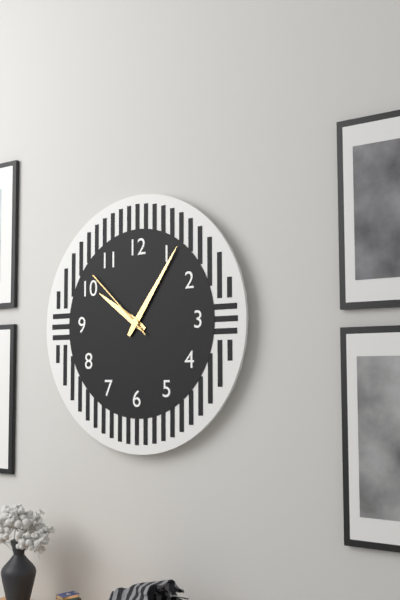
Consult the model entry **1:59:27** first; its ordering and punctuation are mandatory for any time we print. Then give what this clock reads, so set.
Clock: **10:06:52**
